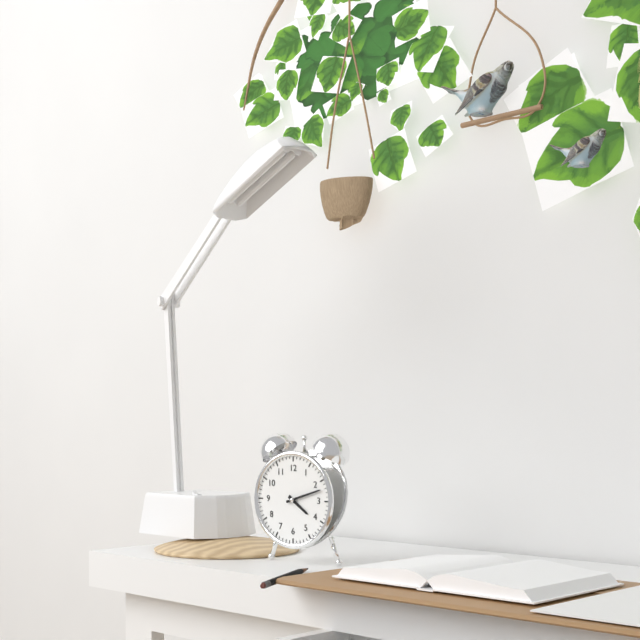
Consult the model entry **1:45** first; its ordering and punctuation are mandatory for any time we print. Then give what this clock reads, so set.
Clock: **4:12**
